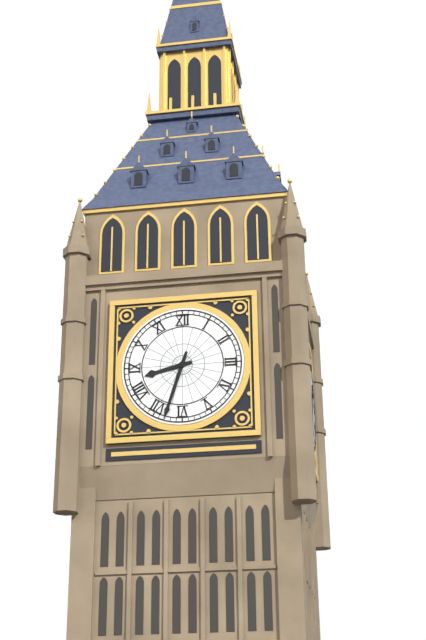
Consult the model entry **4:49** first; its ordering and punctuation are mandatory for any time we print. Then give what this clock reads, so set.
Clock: **8:33**
